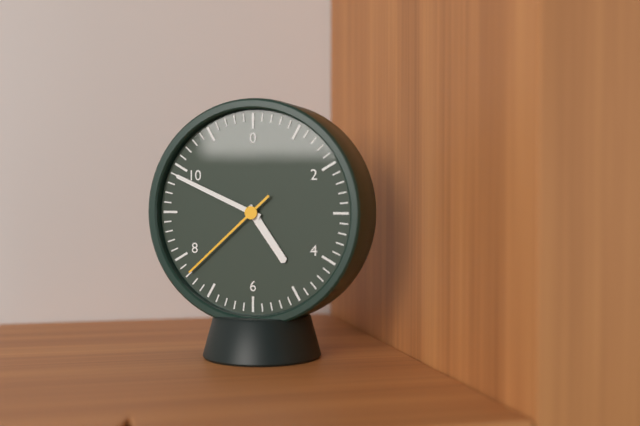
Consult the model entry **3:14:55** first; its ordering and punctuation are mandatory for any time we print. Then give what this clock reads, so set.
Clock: **4:49:38**
